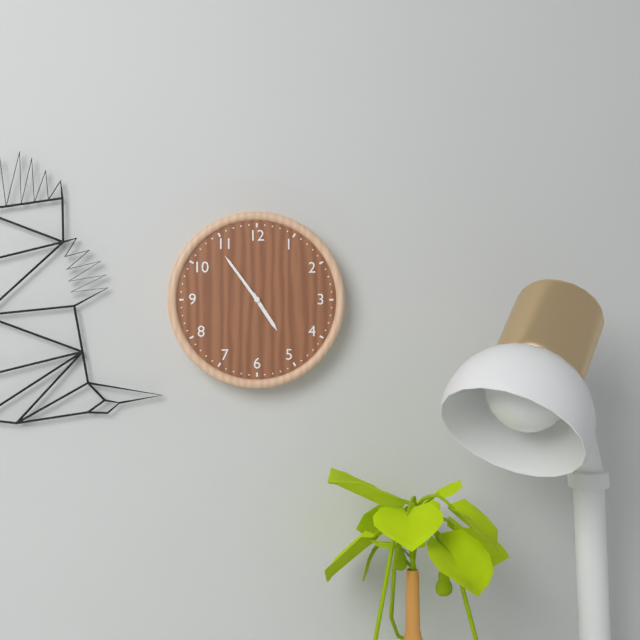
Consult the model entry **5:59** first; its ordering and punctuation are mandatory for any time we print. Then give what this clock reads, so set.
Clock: **4:54**
